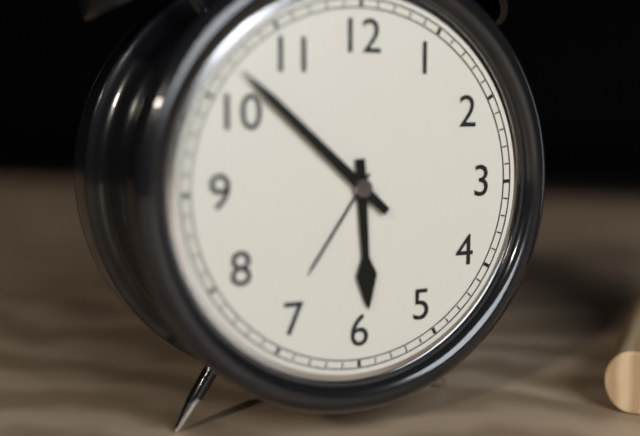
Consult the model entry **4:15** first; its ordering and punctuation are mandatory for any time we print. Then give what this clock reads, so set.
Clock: **5:52**
